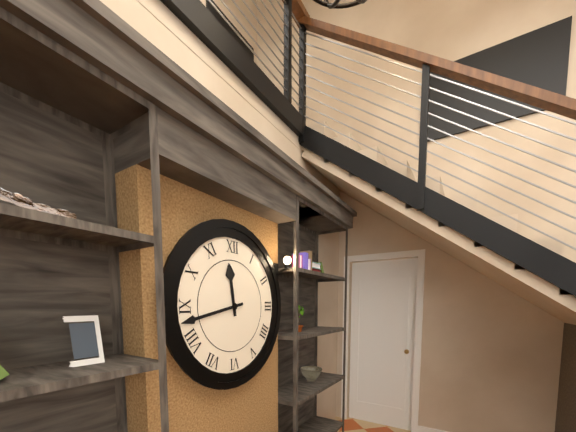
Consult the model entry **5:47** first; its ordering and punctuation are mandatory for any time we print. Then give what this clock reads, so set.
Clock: **11:43**
